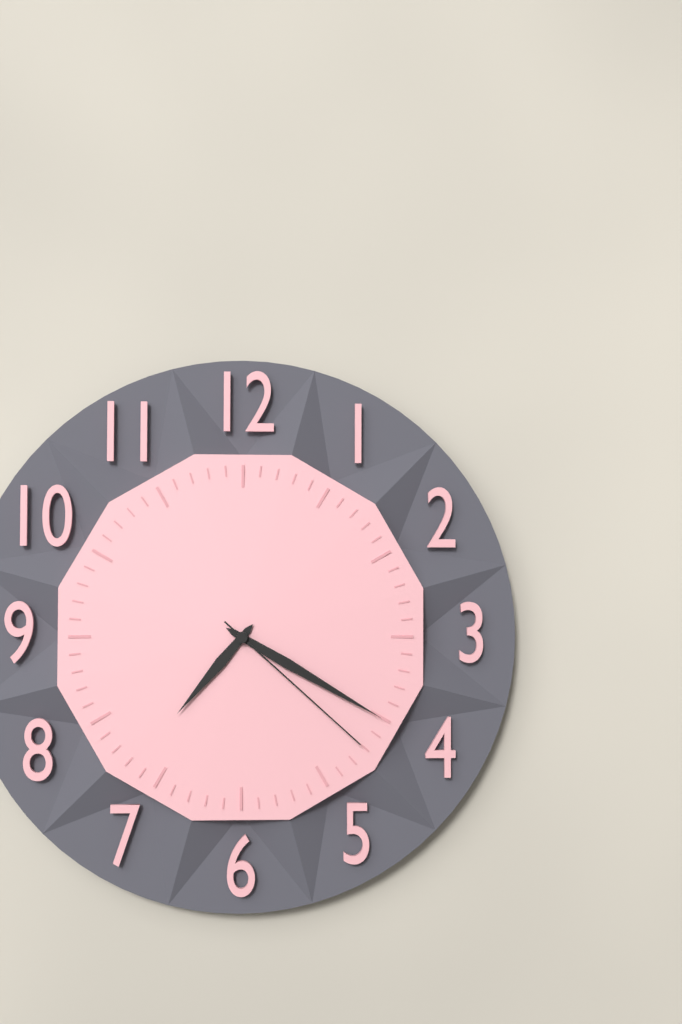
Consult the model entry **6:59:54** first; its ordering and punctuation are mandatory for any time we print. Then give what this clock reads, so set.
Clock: **7:20:22**
